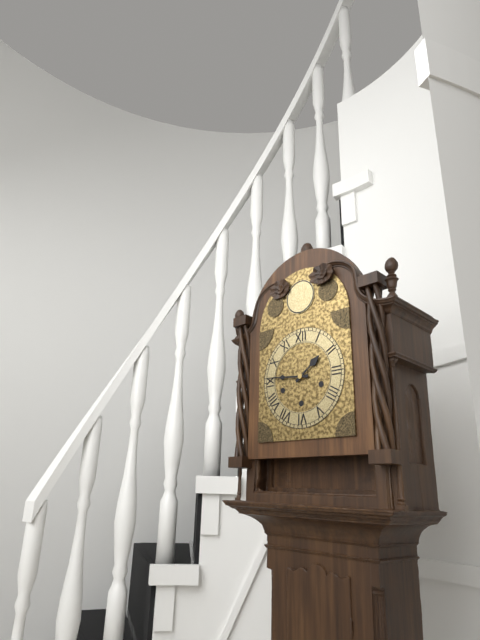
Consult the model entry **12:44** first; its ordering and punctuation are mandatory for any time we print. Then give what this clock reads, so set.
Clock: **1:46**
